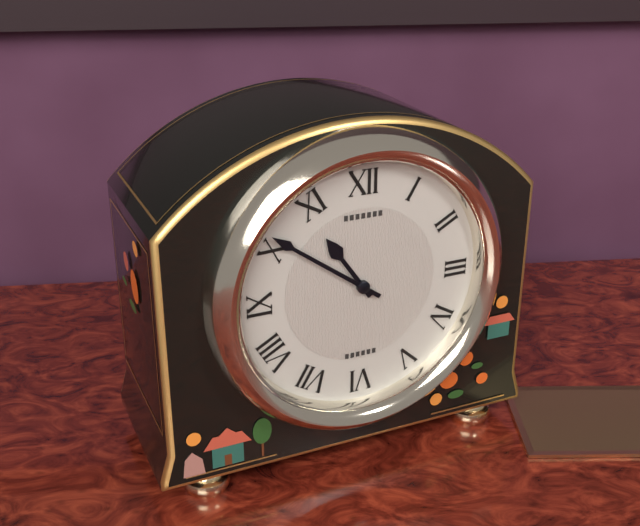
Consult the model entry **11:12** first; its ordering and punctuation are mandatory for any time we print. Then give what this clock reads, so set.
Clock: **10:51**
